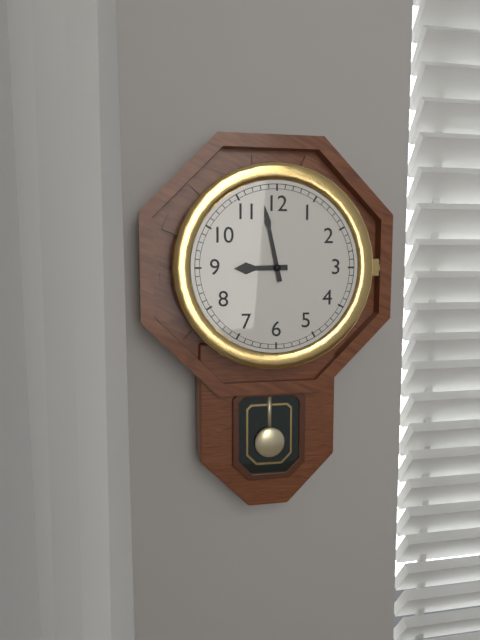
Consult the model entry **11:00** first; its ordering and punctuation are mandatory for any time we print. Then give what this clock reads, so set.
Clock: **8:58**
